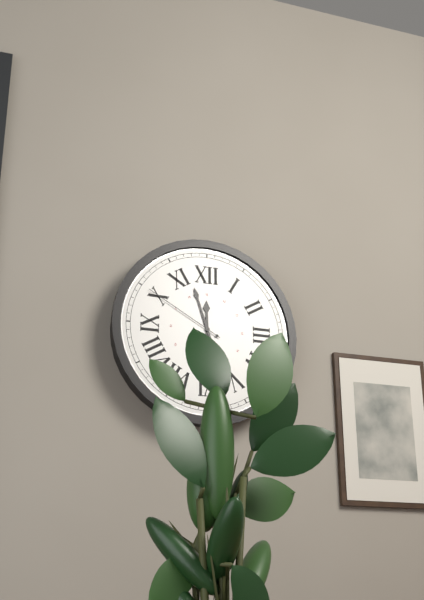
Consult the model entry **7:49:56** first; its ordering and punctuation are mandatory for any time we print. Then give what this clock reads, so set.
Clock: **11:57:50**
